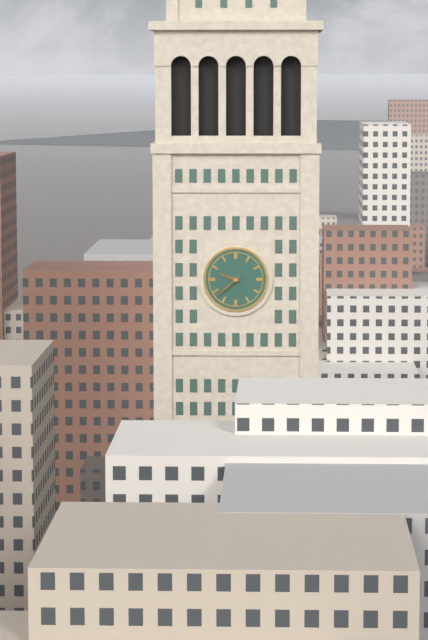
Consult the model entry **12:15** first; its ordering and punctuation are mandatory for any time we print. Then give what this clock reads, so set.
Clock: **9:38**
